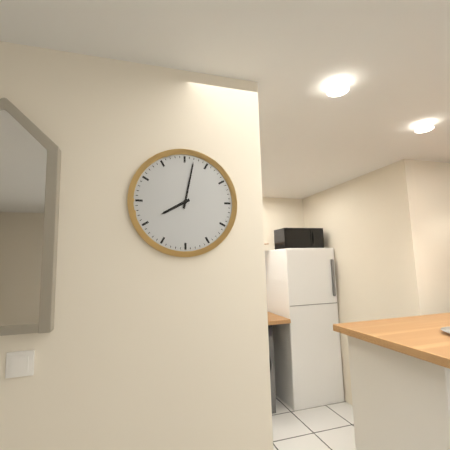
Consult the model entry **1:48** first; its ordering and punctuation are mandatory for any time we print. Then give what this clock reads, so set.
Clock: **8:02**
